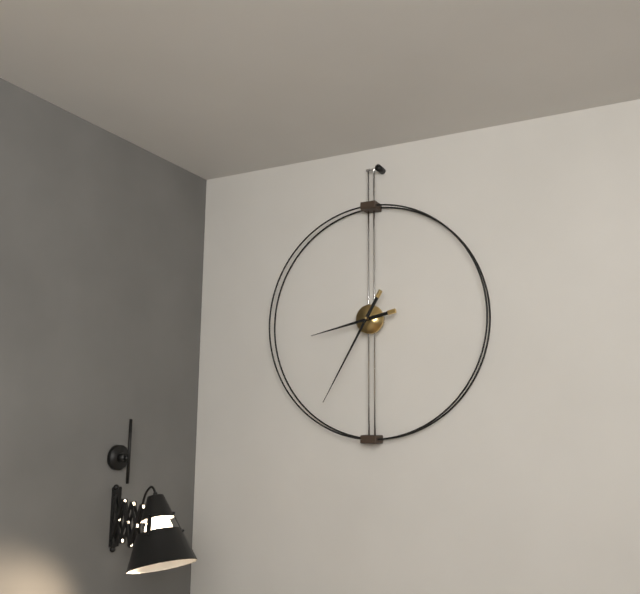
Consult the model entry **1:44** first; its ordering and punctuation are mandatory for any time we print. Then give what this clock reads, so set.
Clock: **8:35**
